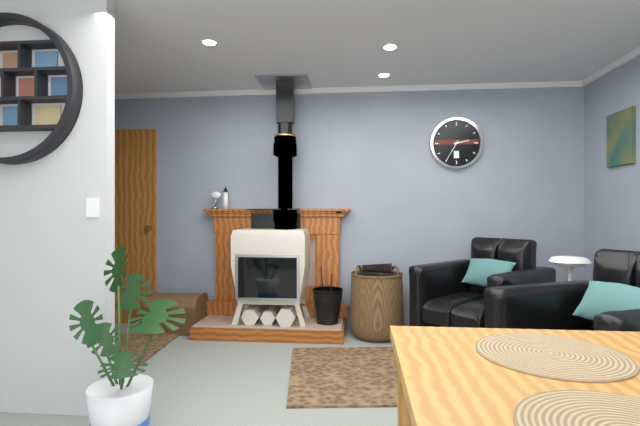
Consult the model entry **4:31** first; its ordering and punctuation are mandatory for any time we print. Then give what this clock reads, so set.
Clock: **2:35**
